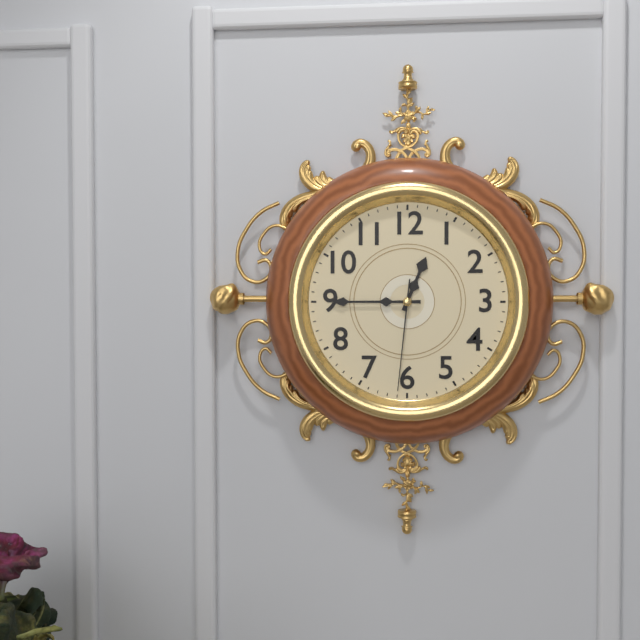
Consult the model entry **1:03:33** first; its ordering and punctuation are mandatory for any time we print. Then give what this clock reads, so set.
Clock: **12:45:31**
